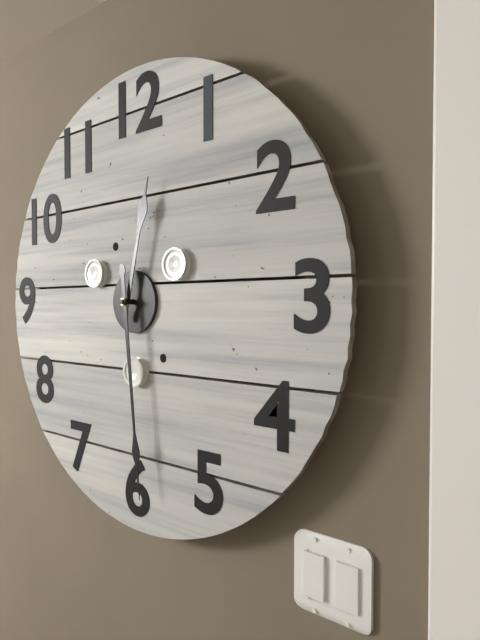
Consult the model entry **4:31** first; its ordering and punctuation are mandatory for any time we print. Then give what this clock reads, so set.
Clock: **12:29**
